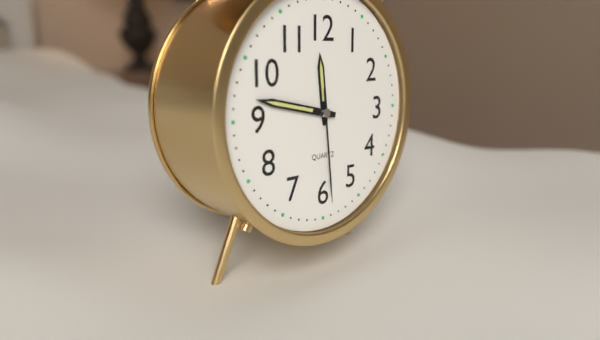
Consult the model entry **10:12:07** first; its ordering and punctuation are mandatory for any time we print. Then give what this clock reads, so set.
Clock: **11:47:29**
